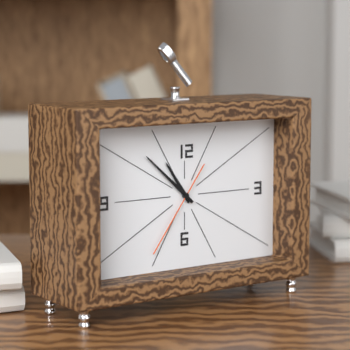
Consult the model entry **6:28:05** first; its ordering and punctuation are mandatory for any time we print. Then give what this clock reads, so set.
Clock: **10:52:36**
